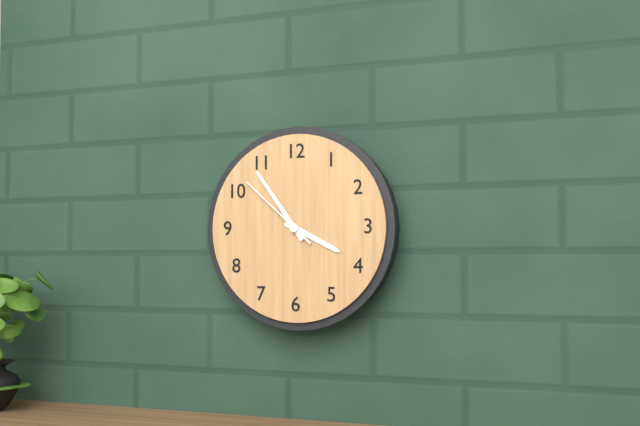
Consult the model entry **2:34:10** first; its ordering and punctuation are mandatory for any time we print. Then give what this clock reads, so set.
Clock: **3:54:52**
